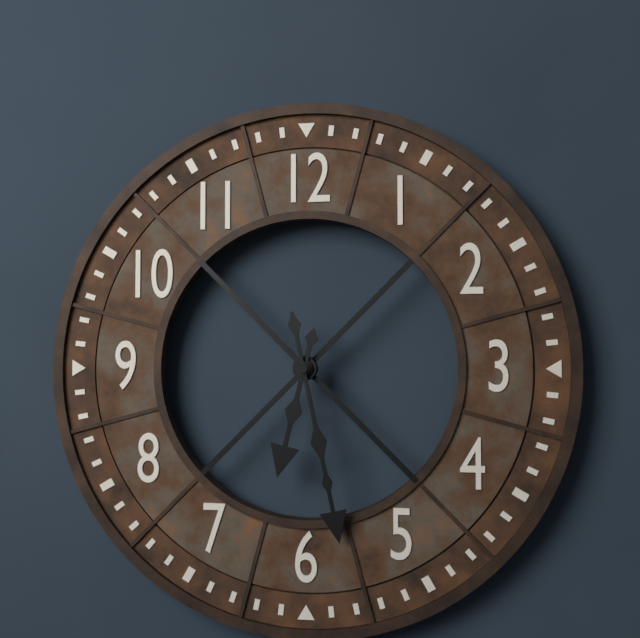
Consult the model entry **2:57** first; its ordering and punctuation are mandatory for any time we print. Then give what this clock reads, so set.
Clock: **6:28**
